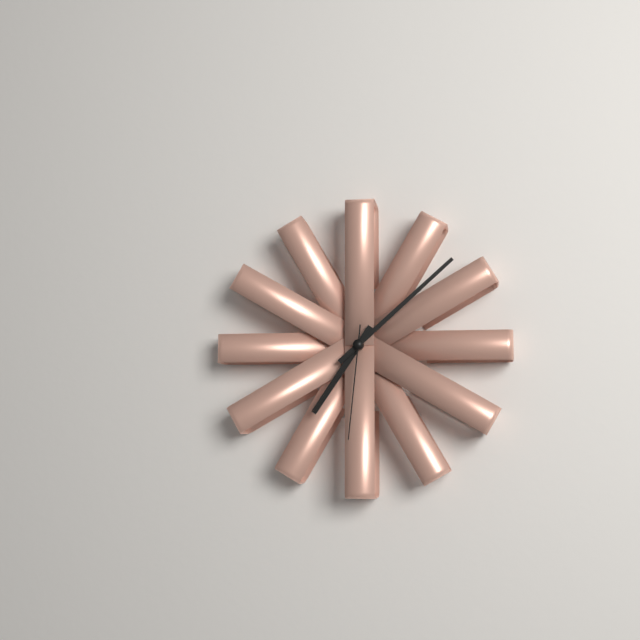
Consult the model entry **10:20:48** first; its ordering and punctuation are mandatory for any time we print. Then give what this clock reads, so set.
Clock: **7:08:31**
